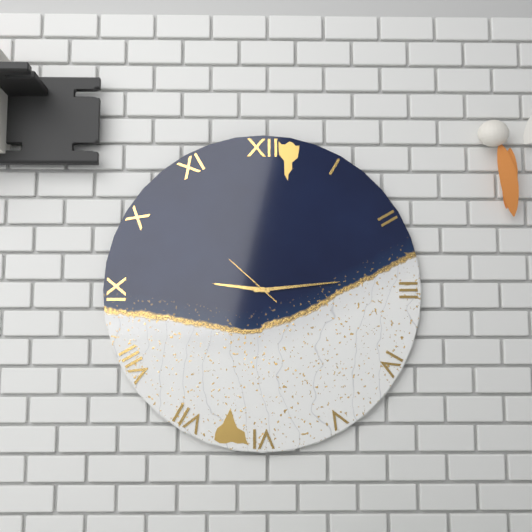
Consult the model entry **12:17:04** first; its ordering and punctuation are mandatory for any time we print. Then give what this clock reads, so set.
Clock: **9:14:52**
